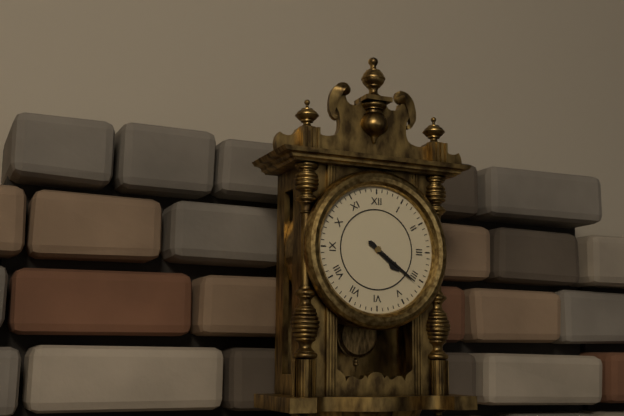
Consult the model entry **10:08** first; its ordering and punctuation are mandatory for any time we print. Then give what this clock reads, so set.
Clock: **4:21**
